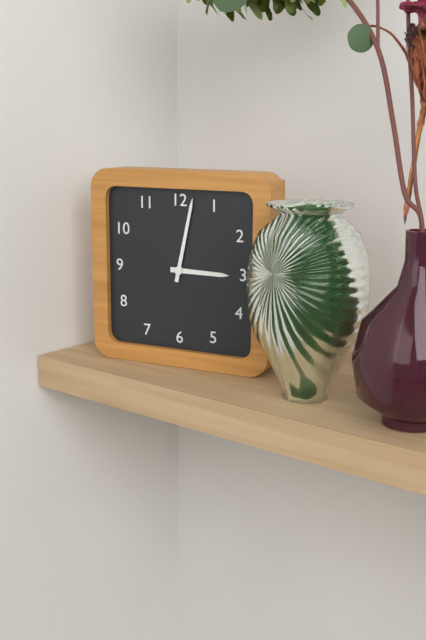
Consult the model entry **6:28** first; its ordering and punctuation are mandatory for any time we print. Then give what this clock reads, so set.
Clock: **3:02**
